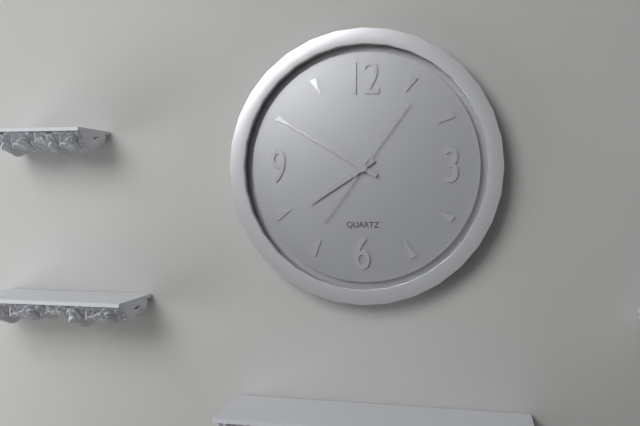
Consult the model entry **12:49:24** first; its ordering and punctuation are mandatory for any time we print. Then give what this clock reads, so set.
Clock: **7:50:06**
